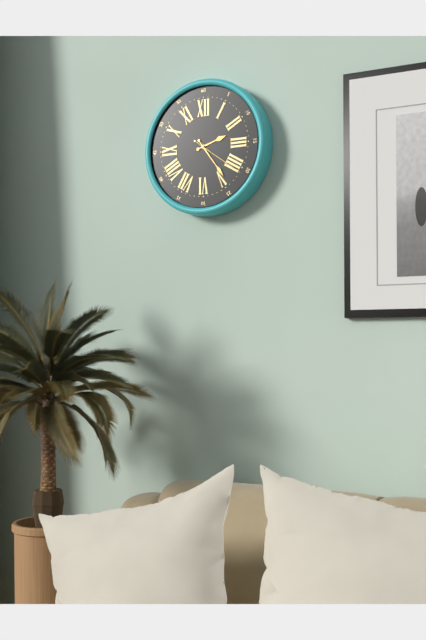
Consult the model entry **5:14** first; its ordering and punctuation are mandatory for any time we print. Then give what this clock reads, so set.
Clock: **2:24**
